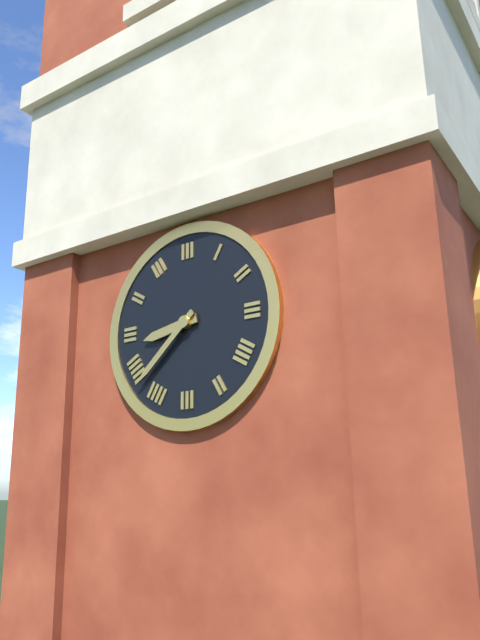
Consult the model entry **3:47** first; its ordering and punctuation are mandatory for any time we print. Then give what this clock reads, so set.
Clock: **8:38**
